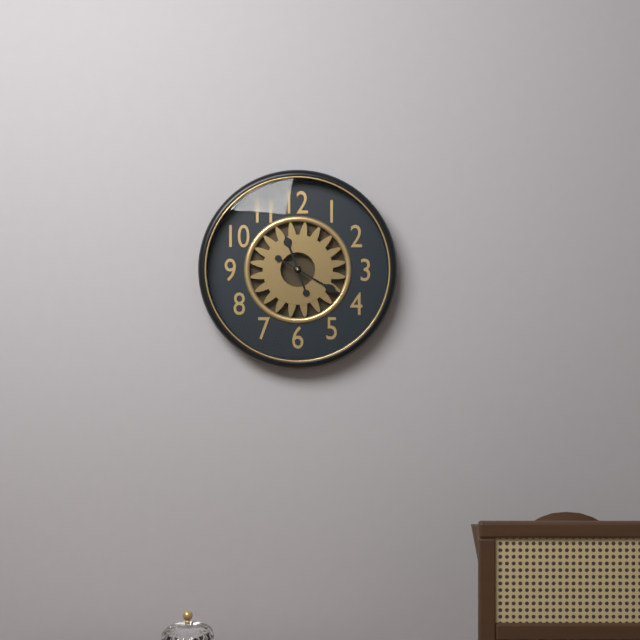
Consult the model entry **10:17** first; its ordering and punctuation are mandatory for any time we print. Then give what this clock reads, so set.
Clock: **11:20**
